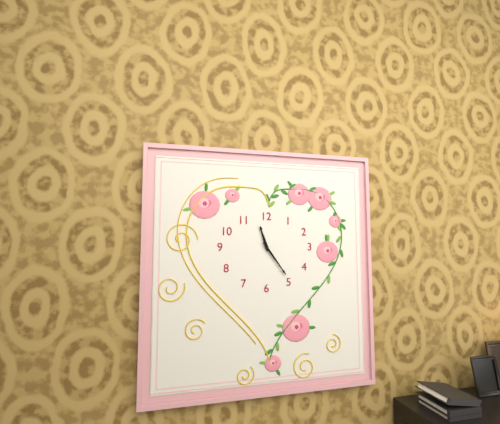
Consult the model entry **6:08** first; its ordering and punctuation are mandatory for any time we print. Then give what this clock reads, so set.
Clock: **11:24**
